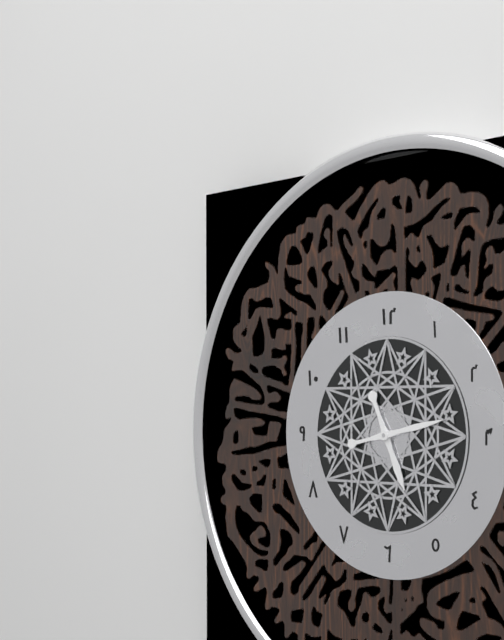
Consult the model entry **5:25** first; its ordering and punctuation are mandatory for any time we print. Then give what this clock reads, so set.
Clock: **5:13**
